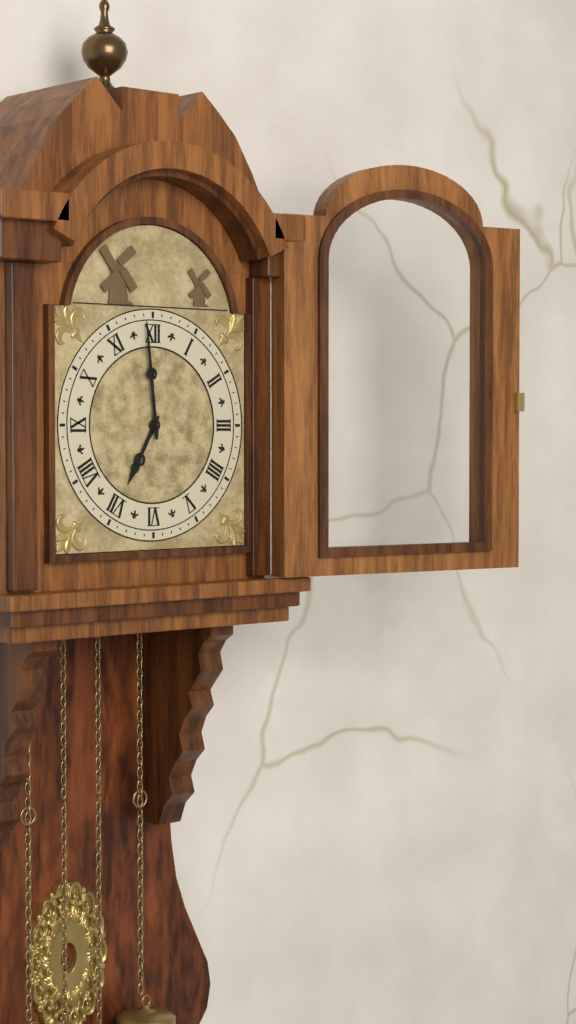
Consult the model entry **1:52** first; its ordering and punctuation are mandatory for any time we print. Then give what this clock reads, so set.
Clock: **6:59**
